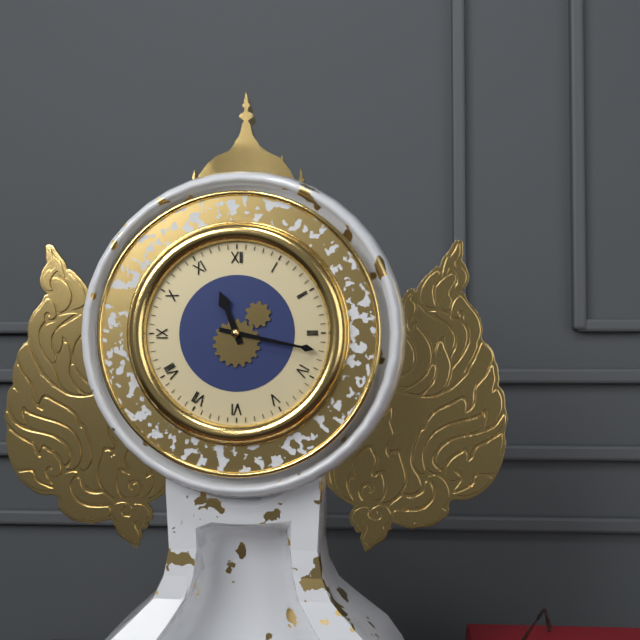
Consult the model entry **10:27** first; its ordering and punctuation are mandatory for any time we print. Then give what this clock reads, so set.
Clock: **11:17**
